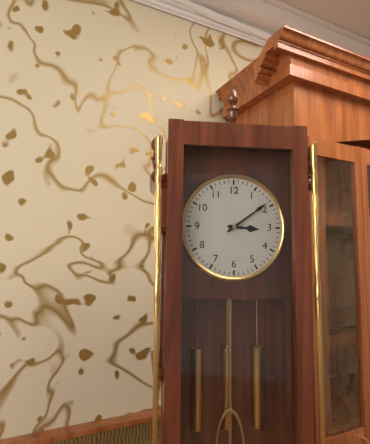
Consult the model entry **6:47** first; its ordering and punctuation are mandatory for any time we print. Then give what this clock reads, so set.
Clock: **3:09**
